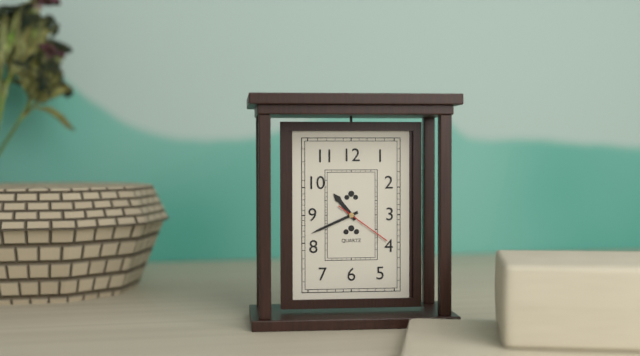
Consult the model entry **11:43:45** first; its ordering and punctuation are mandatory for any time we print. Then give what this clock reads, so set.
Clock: **10:41:21**
